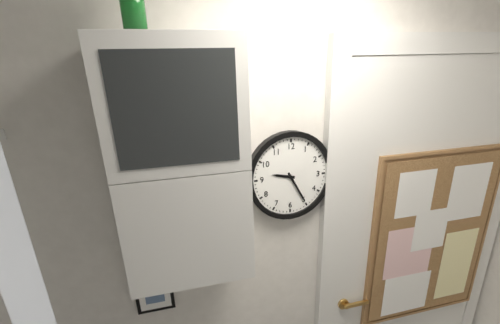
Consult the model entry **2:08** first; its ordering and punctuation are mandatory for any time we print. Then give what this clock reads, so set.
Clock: **9:25**
